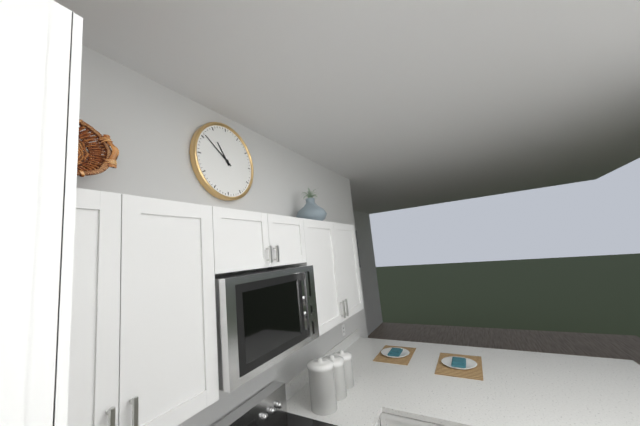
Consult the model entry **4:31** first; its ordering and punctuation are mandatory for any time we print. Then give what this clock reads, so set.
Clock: **10:51**
